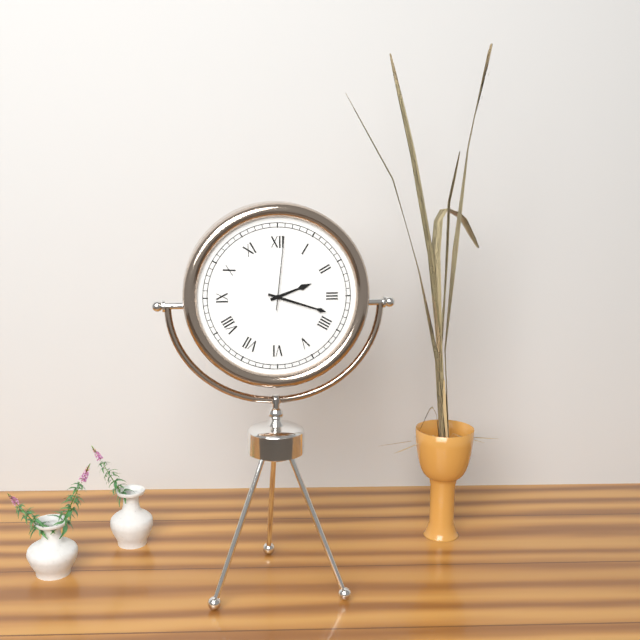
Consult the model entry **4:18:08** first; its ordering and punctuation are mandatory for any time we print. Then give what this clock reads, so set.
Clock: **2:18:01**
